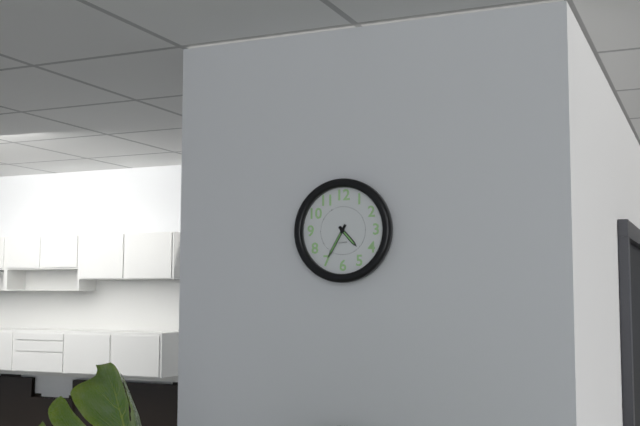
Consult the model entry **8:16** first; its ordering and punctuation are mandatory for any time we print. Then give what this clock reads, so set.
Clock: **4:35**
